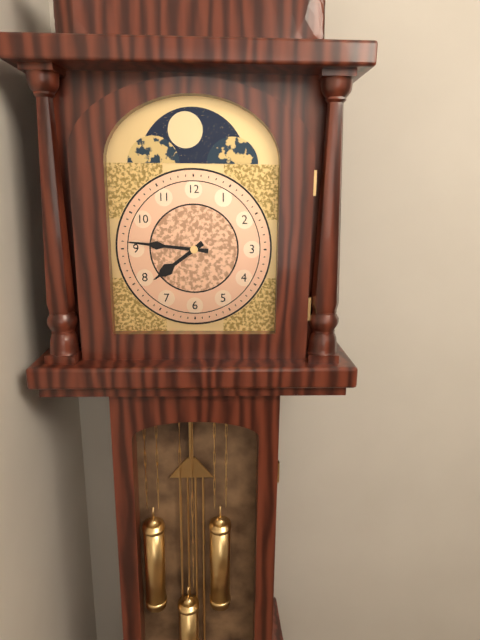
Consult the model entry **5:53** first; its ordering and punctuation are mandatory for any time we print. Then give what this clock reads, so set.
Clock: **7:46**
